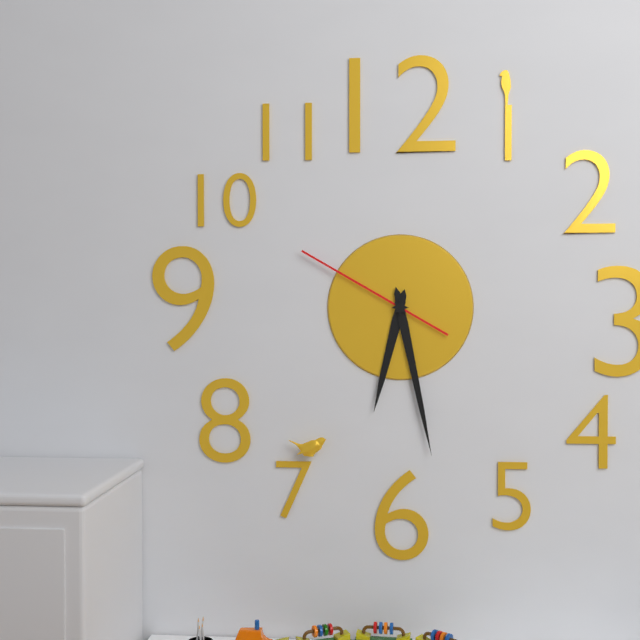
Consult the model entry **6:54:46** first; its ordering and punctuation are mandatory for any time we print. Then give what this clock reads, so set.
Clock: **6:28:50**
